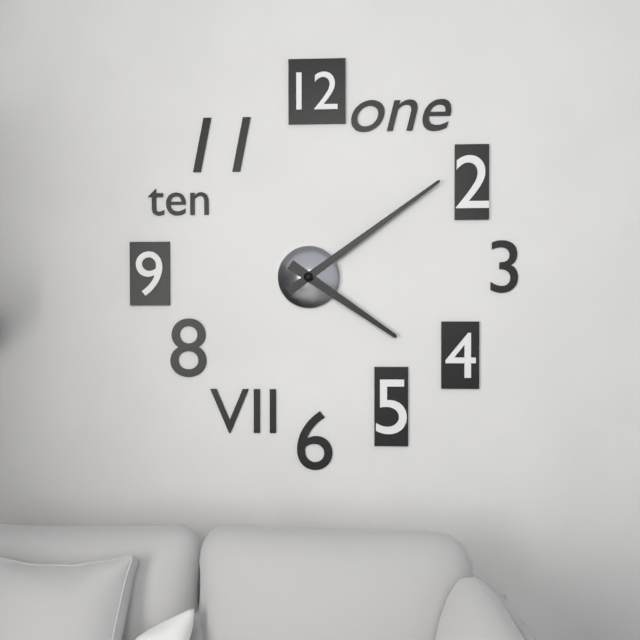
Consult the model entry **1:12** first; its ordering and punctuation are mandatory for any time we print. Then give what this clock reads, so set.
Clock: **4:09**
